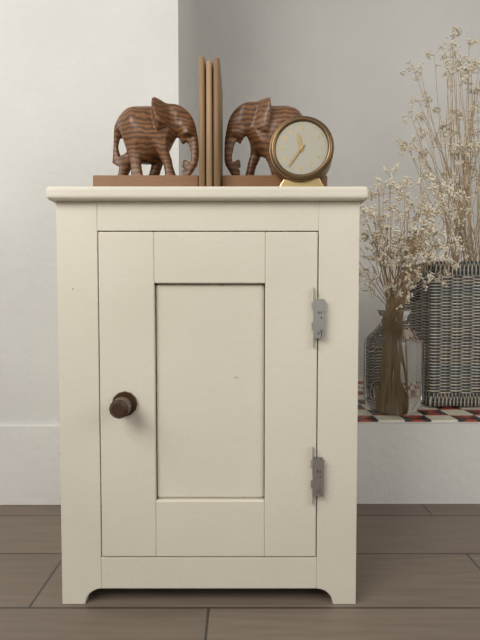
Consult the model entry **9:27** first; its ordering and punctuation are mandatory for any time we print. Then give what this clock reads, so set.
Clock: **11:36**
